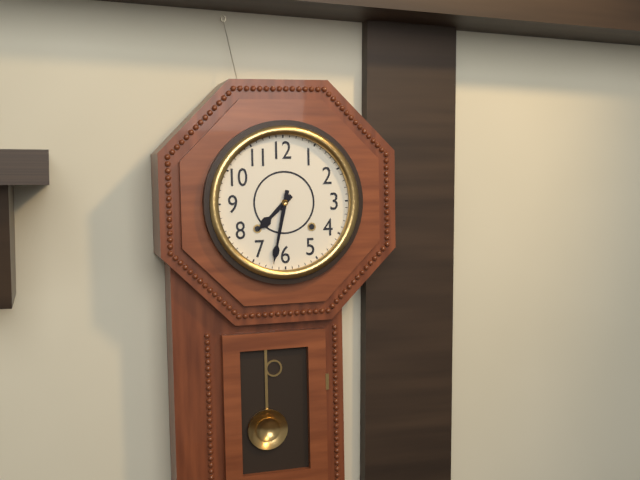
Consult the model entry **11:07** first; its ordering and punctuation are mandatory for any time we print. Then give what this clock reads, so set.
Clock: **7:32**
